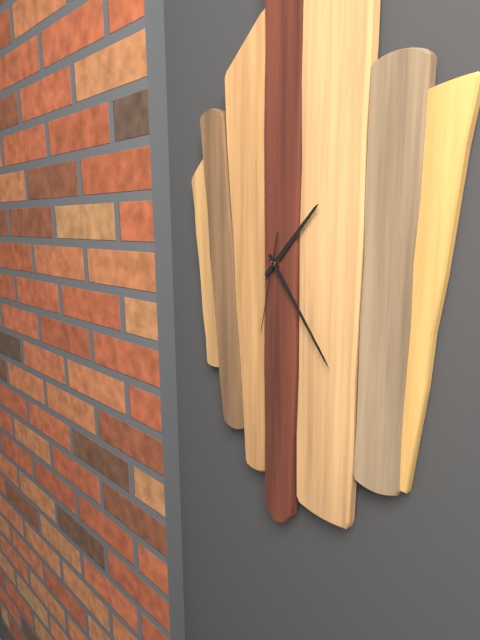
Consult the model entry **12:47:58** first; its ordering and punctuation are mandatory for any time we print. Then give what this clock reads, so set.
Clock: **1:24:32**
